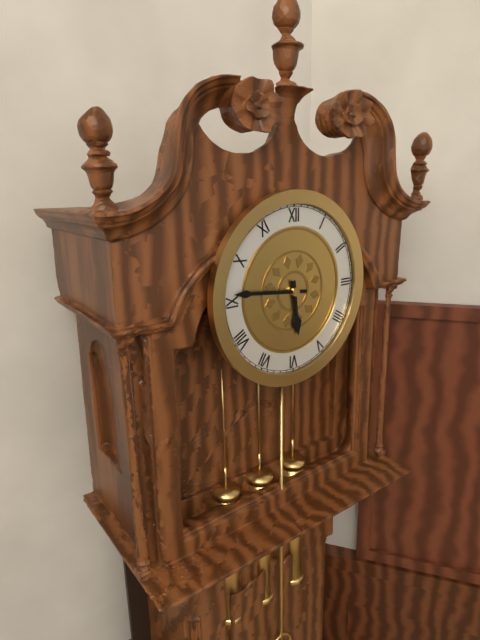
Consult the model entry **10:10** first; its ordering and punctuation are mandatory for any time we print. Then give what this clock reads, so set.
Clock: **5:46**
